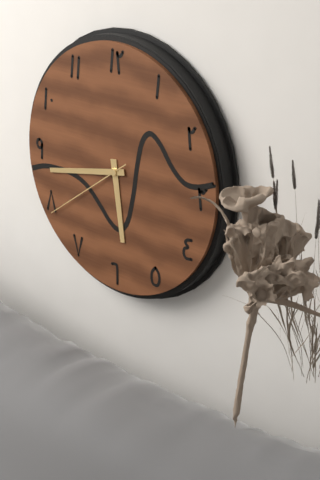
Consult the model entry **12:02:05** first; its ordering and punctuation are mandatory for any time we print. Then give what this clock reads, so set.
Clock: **5:43:39**
